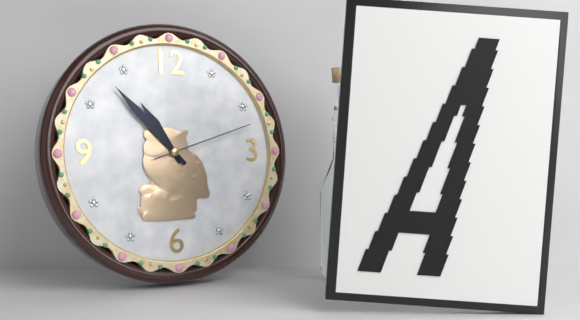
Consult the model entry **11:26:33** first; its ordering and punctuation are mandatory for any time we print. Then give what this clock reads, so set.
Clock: **10:53:12**
